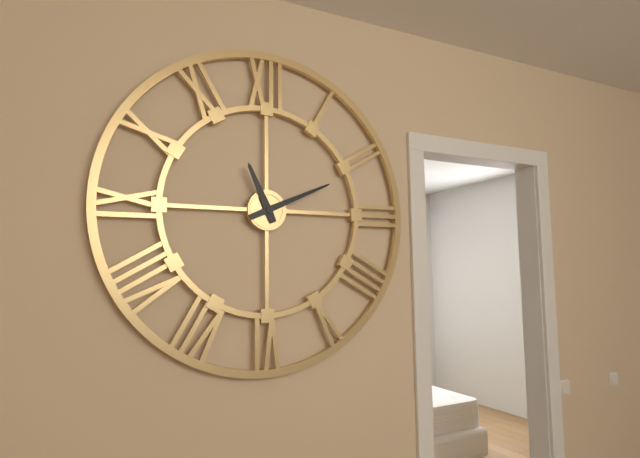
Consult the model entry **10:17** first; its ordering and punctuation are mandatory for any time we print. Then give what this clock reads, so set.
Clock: **11:11**
